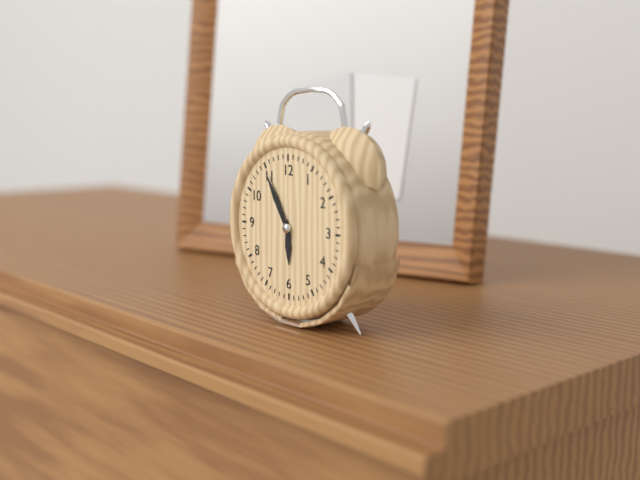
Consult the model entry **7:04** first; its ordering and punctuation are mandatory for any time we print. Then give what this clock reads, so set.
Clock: **5:55**
